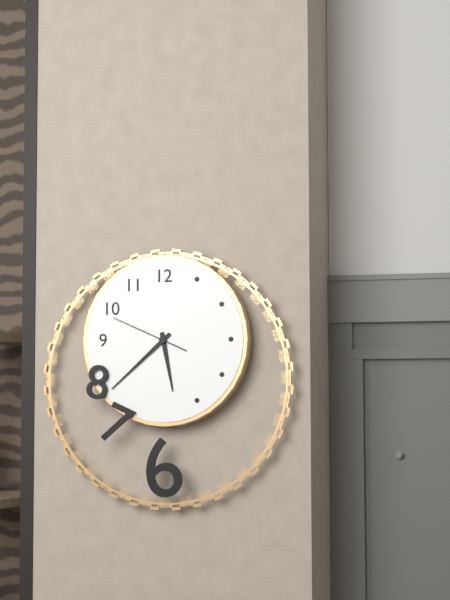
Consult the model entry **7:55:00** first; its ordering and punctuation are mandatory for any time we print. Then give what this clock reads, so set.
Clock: **5:38:49**
